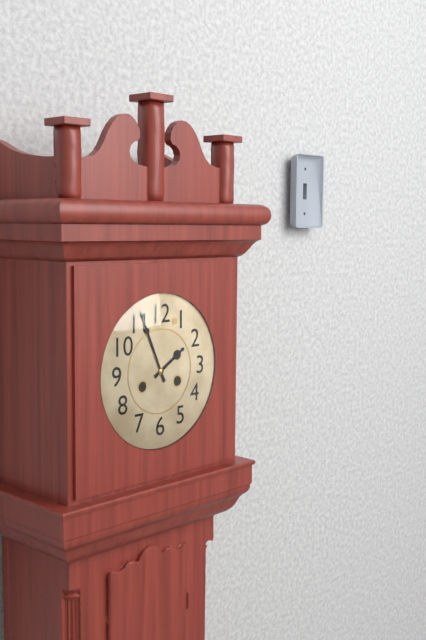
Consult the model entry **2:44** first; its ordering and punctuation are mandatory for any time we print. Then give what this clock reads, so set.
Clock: **1:56**
